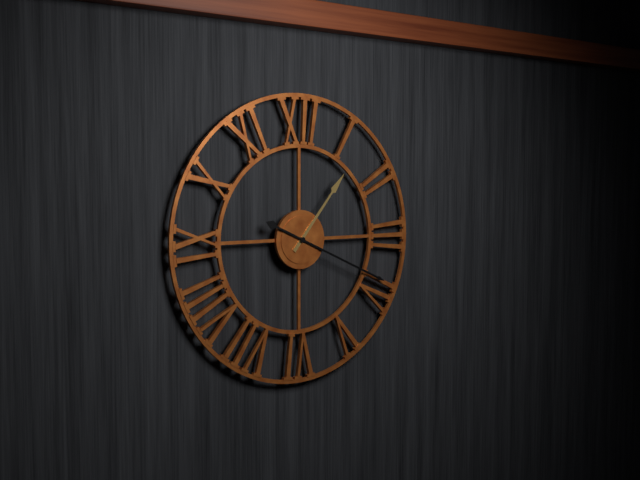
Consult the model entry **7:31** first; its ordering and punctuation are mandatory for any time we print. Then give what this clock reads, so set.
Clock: **1:19**
